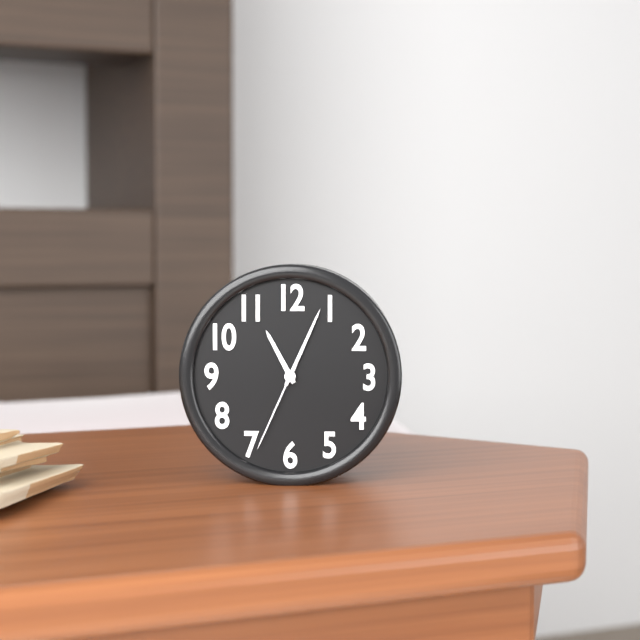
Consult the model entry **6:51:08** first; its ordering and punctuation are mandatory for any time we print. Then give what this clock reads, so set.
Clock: **11:04:34**
